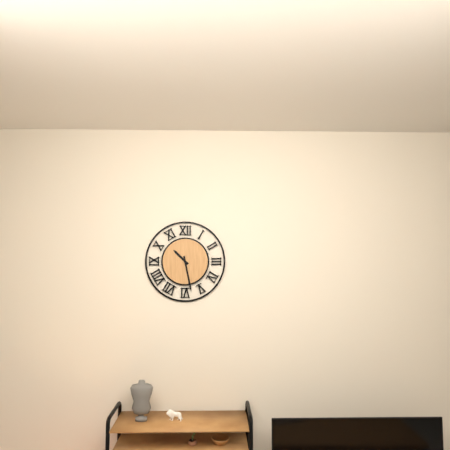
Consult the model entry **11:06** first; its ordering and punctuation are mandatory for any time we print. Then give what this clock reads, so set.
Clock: **10:28**
